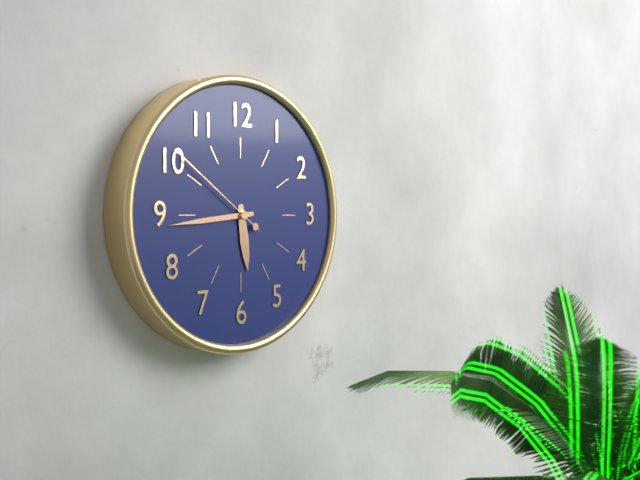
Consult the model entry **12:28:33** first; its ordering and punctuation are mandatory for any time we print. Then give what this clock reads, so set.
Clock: **5:44:51**
